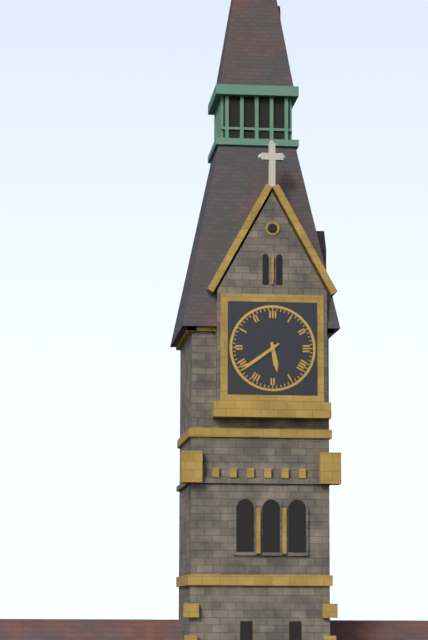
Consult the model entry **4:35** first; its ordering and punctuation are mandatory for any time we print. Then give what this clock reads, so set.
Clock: **5:39**
